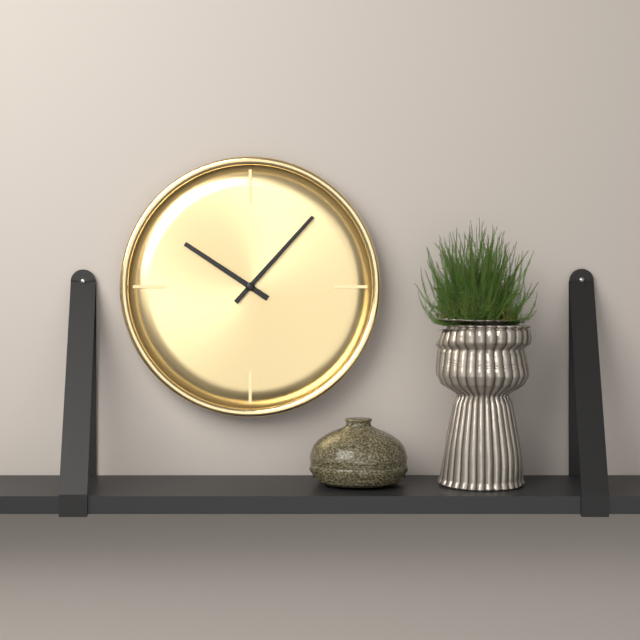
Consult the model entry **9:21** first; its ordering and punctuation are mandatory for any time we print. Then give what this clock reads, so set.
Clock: **10:07**
